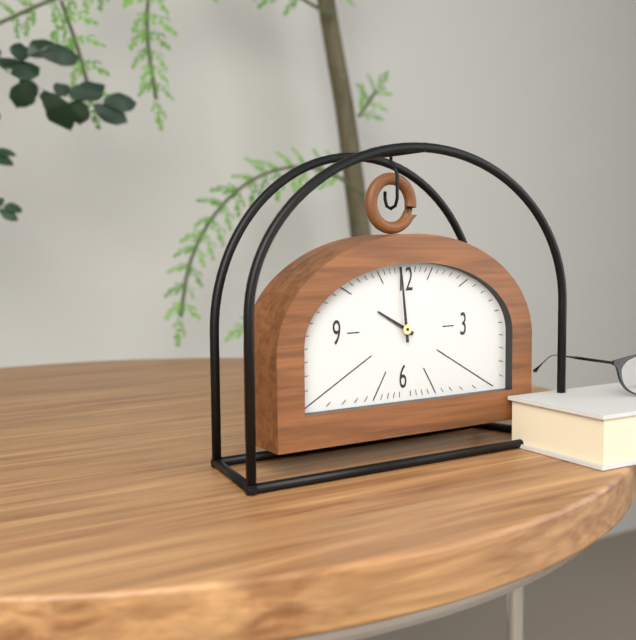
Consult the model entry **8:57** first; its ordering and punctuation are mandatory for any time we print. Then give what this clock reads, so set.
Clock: **9:59**
